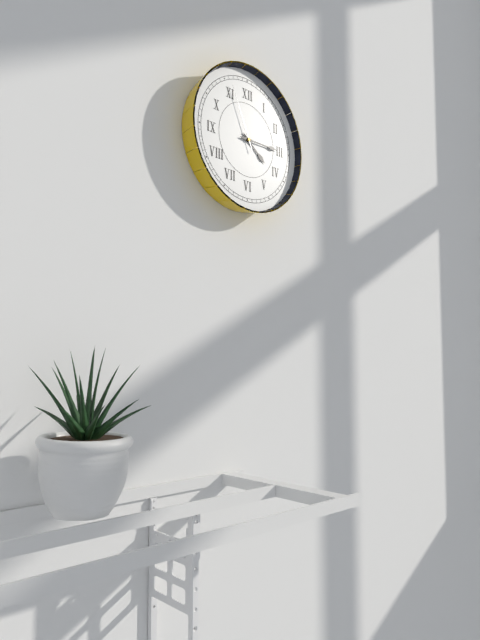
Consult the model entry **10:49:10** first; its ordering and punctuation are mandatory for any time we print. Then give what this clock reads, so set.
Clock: **4:15:56**
